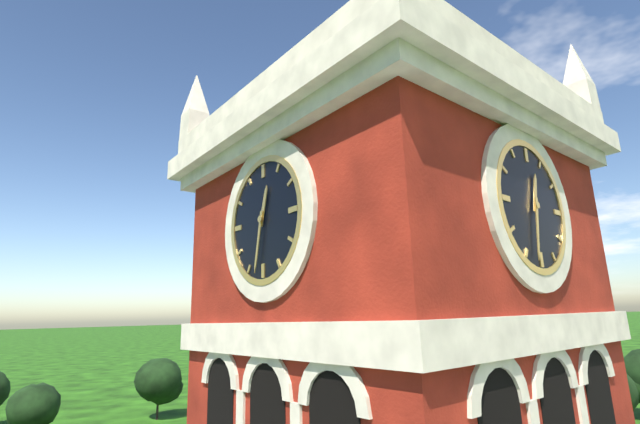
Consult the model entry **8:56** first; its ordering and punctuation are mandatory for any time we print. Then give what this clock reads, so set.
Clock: **12:32**
